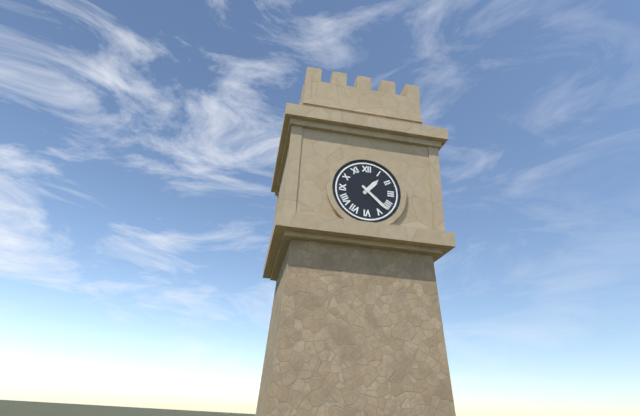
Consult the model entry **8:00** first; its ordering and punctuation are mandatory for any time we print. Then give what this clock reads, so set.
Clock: **1:22**
